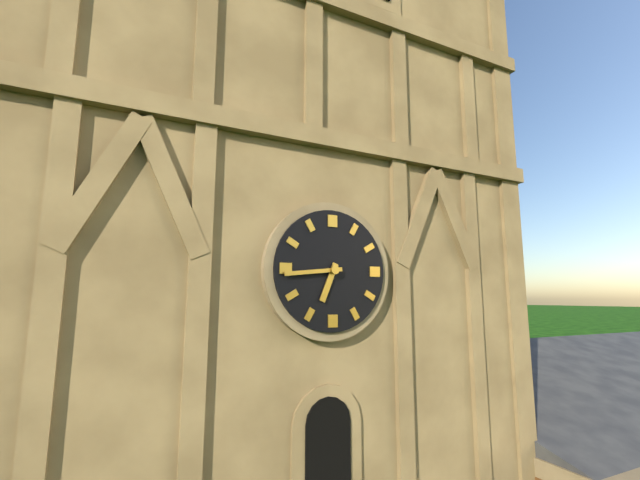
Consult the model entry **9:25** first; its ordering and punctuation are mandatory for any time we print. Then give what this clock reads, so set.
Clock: **6:44**
